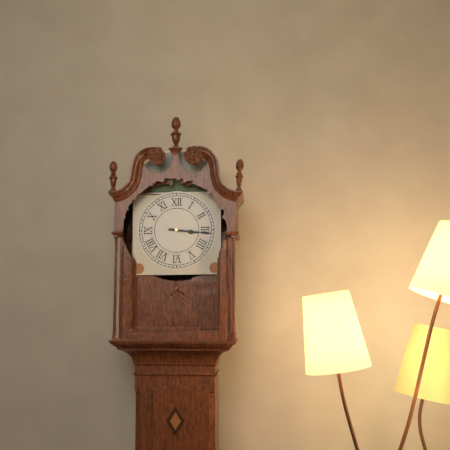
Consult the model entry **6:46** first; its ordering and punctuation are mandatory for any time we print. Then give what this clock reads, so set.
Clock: **3:16**
